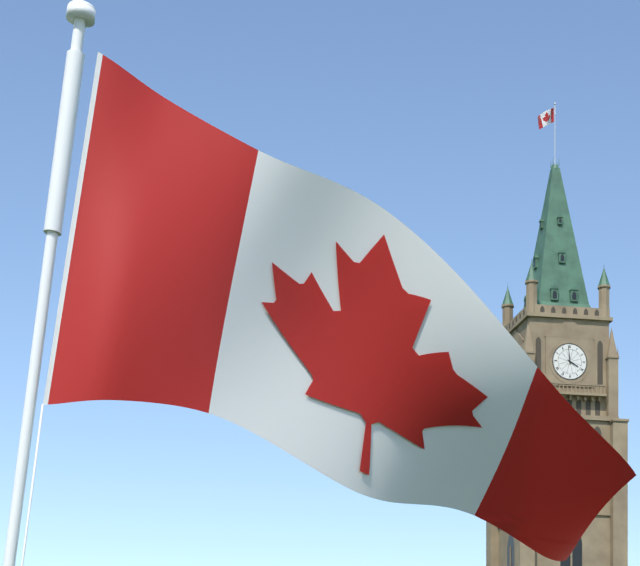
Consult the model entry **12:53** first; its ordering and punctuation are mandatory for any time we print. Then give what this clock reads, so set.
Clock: **3:59**
